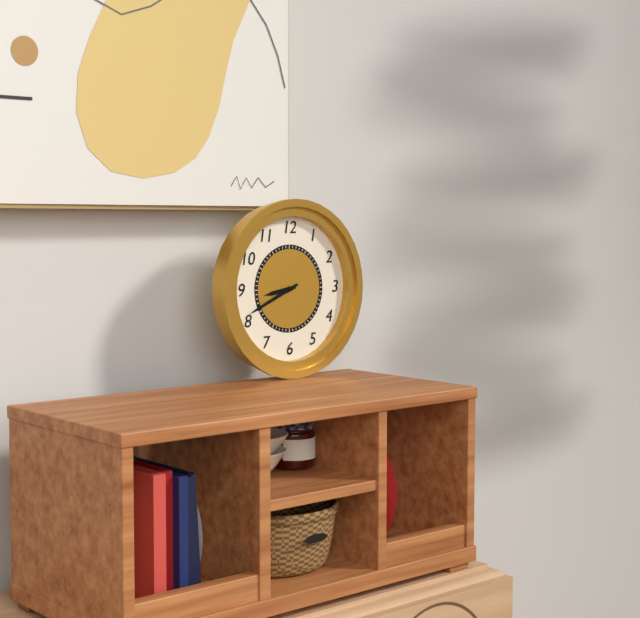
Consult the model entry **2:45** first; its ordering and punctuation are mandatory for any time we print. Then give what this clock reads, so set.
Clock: **8:41**
